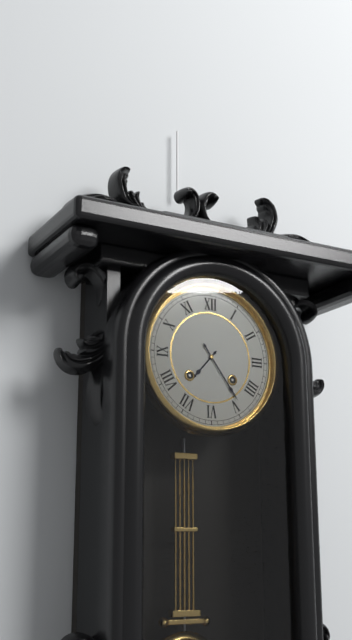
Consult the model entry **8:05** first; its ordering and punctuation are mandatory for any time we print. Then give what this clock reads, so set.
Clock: **7:24**
